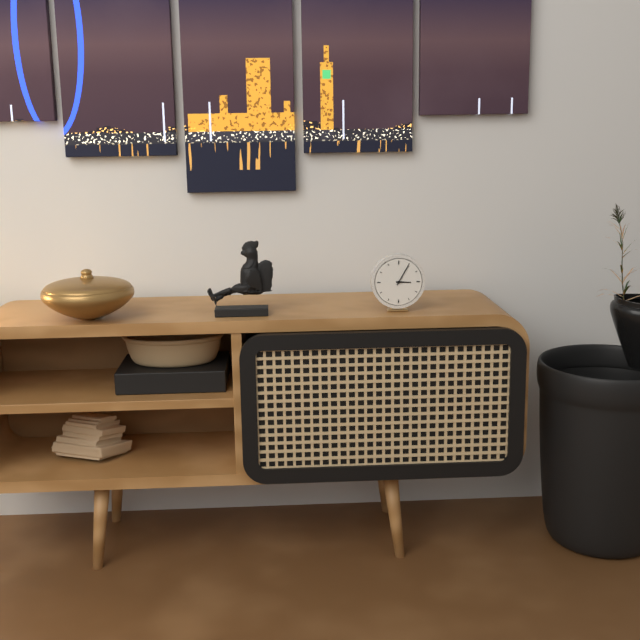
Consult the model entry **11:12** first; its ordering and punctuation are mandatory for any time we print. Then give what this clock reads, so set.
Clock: **3:05**
